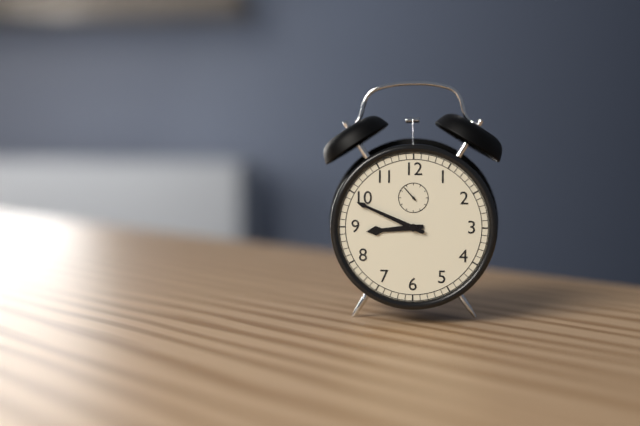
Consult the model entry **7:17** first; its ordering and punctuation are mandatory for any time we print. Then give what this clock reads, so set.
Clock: **8:49**
